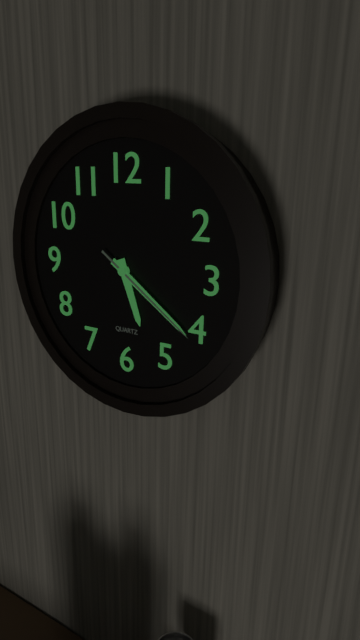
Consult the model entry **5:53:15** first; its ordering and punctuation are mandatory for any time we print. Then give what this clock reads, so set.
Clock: **5:21:21**
